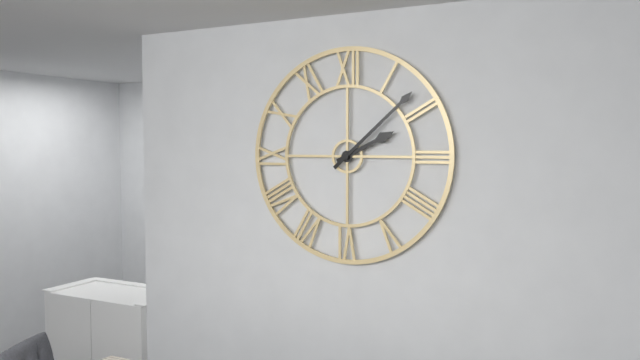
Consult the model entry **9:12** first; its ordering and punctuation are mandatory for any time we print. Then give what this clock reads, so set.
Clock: **2:08**
